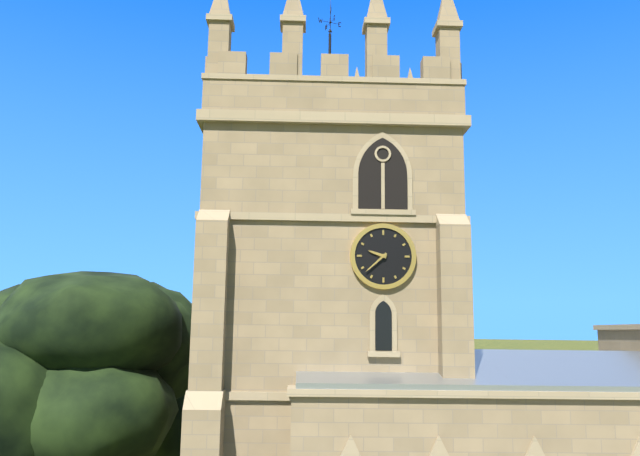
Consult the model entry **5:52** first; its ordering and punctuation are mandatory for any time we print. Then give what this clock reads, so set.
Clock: **9:38**
